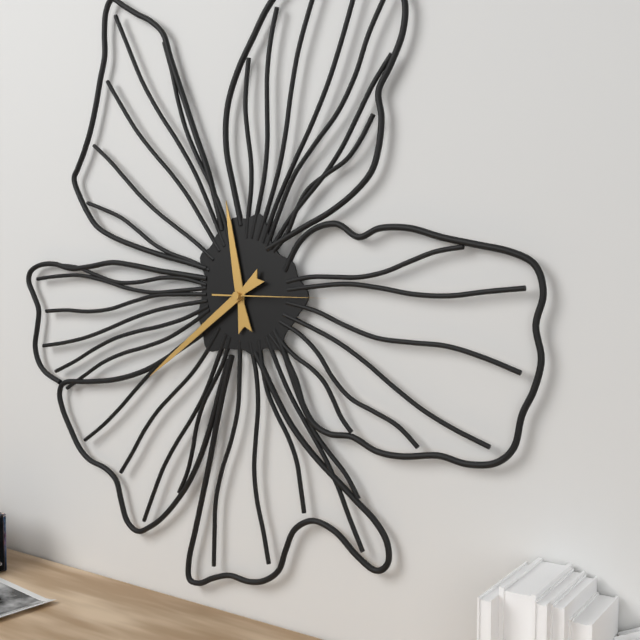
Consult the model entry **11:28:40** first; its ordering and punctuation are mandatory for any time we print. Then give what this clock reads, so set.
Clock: **11:39:15**
